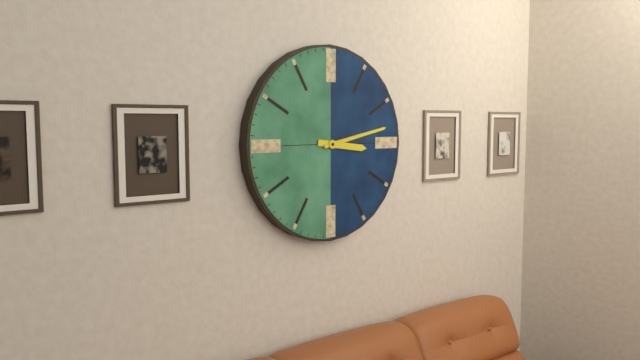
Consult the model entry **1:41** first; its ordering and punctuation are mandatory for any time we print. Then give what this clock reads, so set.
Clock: **3:13**
